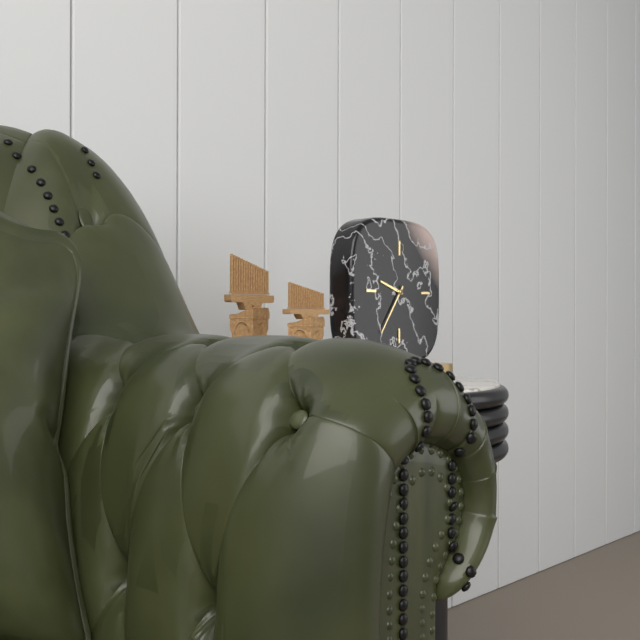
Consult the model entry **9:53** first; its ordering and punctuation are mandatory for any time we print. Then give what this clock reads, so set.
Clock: **9:36**
